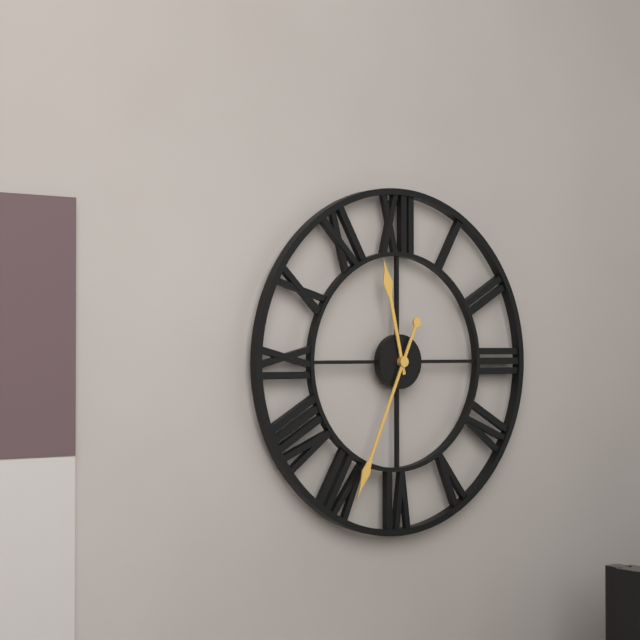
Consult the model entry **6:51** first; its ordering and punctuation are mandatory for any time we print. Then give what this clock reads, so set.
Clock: **11:34**
